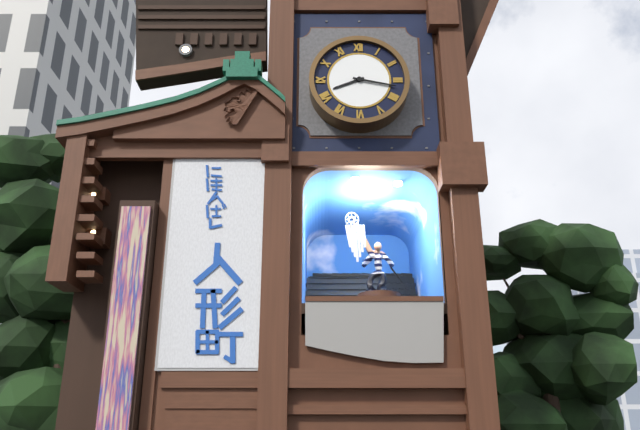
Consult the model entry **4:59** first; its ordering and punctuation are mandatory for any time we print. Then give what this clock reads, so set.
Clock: **8:17**
